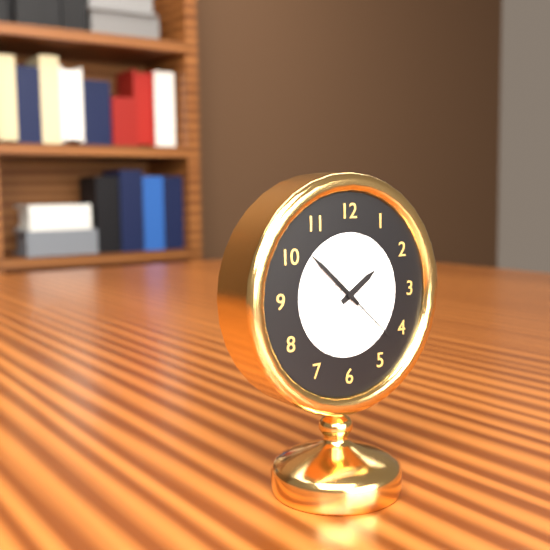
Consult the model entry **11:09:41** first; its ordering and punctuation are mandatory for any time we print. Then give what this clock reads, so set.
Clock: **1:52:22**
